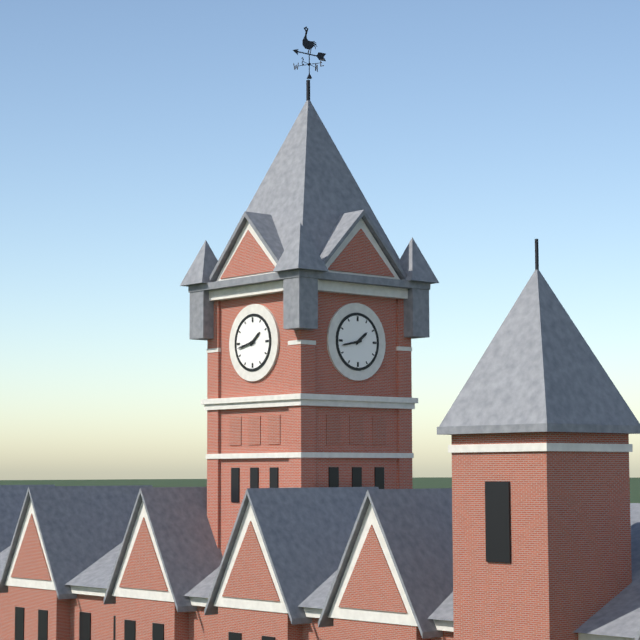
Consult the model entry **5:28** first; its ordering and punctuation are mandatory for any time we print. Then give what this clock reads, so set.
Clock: **1:43**
